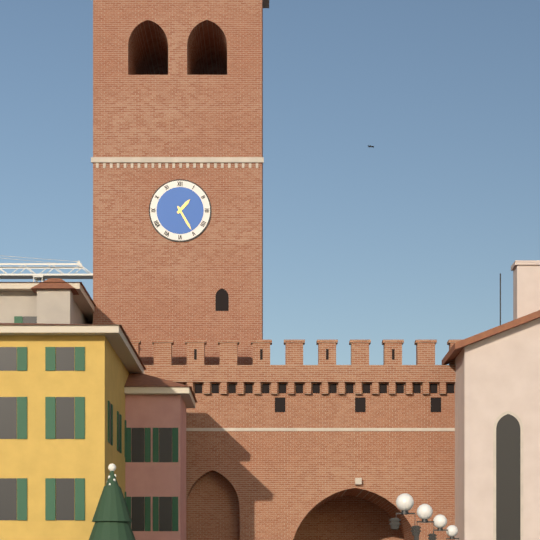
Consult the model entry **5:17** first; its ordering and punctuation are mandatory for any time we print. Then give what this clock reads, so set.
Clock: **1:25**
